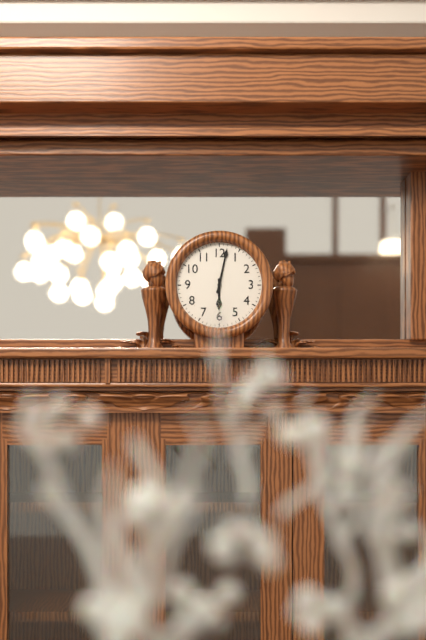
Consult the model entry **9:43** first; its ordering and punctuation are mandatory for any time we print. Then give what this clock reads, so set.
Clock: **6:02**
